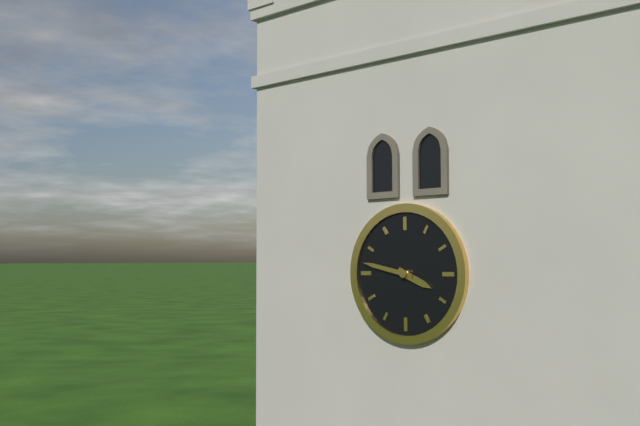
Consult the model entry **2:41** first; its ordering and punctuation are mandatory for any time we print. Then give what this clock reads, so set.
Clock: **3:47**
